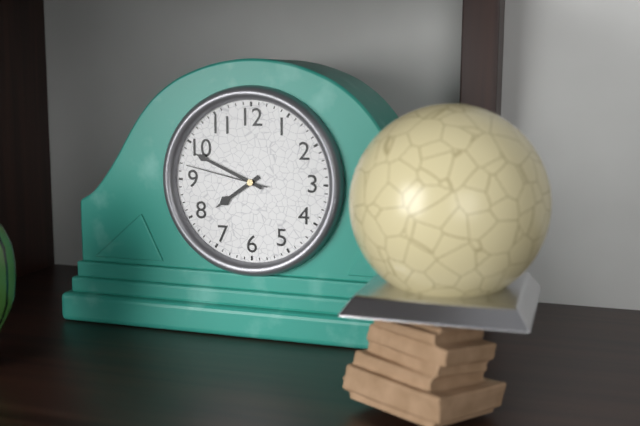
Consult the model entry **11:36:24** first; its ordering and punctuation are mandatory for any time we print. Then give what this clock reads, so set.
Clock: **7:49:47**
